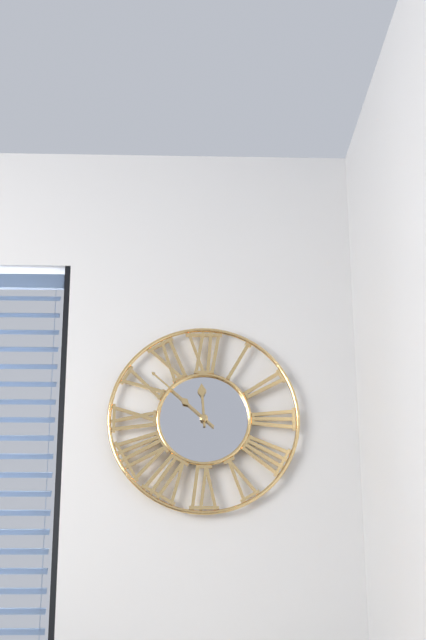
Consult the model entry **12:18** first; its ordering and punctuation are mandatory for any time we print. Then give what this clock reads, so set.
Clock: **11:52**
